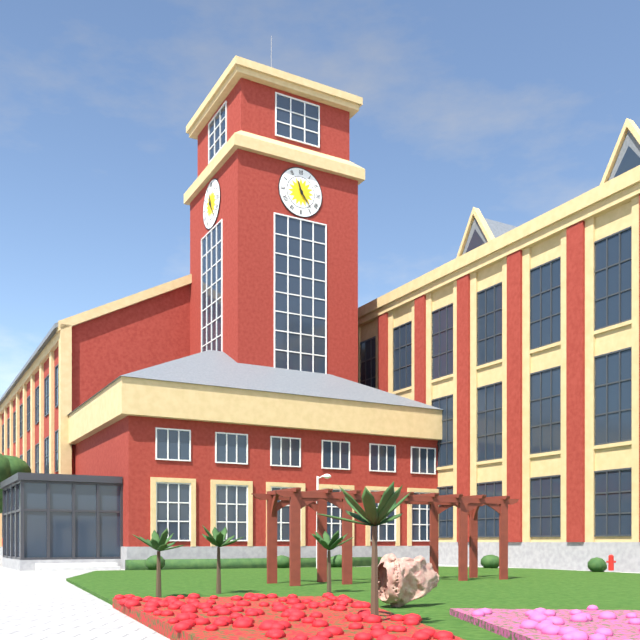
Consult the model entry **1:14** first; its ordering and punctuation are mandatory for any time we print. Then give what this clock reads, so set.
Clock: **11:24**
